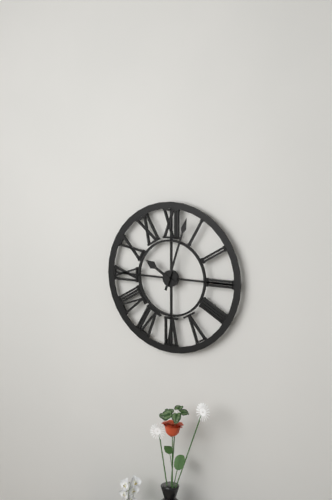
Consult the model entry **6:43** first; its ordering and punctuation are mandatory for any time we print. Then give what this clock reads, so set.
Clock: **10:03**
